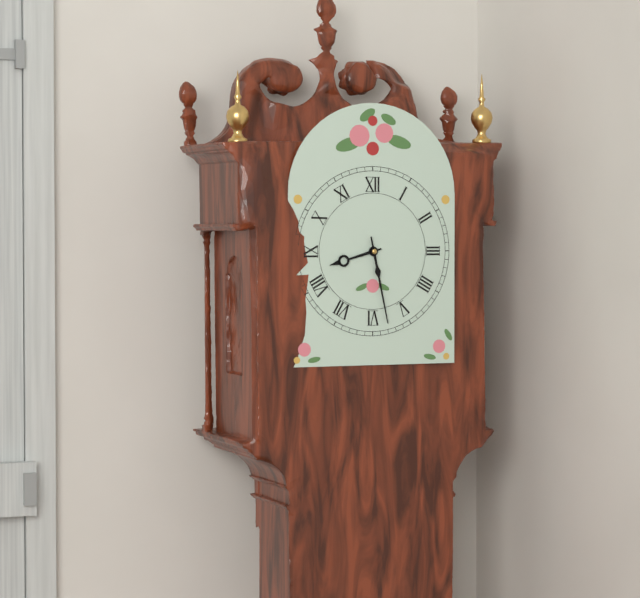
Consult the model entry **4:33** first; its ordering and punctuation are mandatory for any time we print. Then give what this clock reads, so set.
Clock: **8:28**
